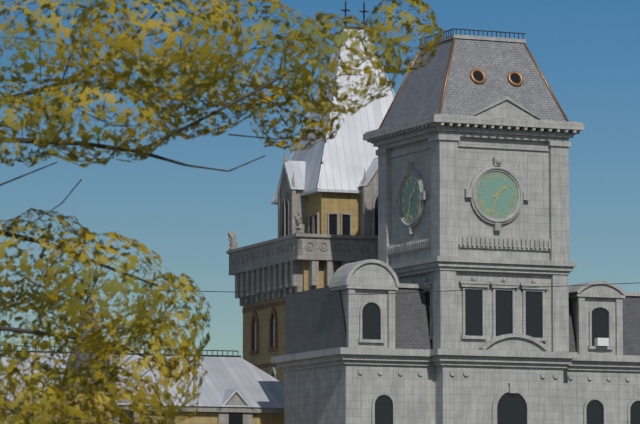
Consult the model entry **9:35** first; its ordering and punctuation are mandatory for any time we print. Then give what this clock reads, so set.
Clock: **1:33**
